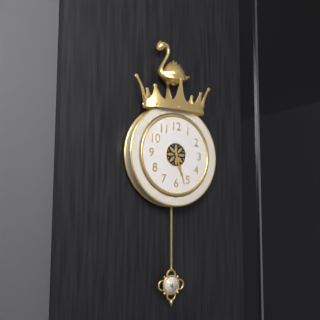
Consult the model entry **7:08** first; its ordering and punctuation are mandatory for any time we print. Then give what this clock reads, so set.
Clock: **5:27**
